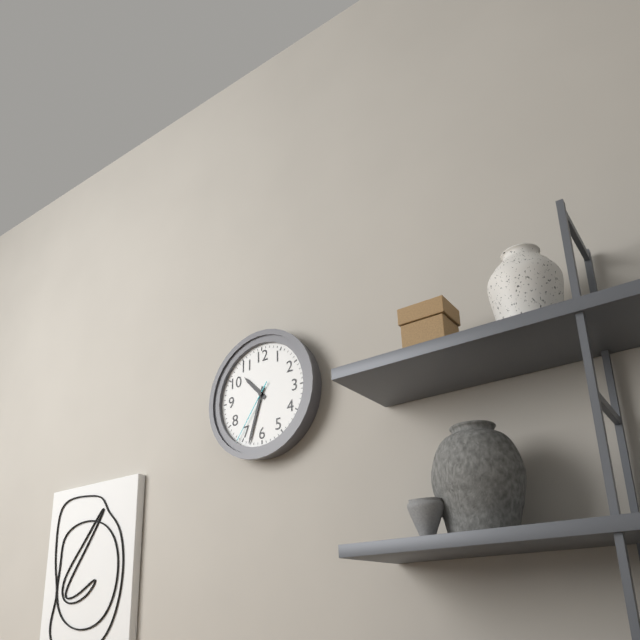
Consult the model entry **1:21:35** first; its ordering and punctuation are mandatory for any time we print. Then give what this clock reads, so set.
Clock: **10:33:36**
